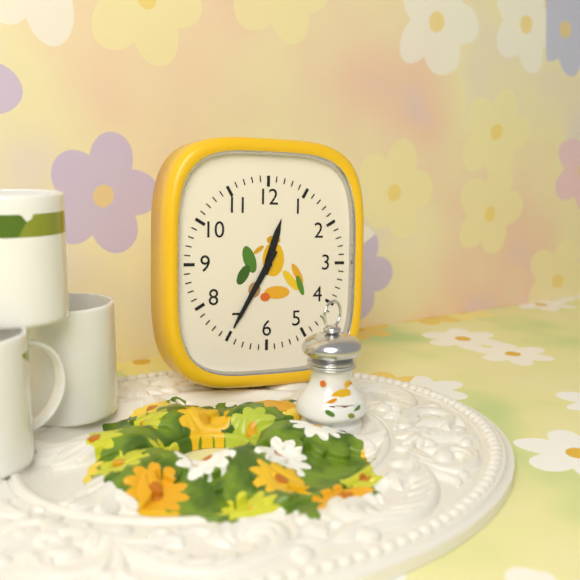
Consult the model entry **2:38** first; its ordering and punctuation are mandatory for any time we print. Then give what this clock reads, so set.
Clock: **12:35**
